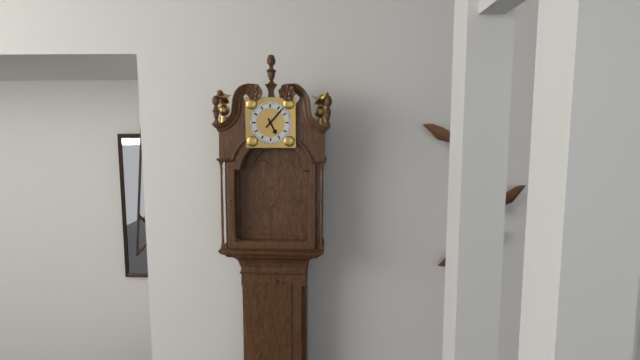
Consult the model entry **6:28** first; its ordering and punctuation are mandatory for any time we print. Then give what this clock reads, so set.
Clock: **5:07**
